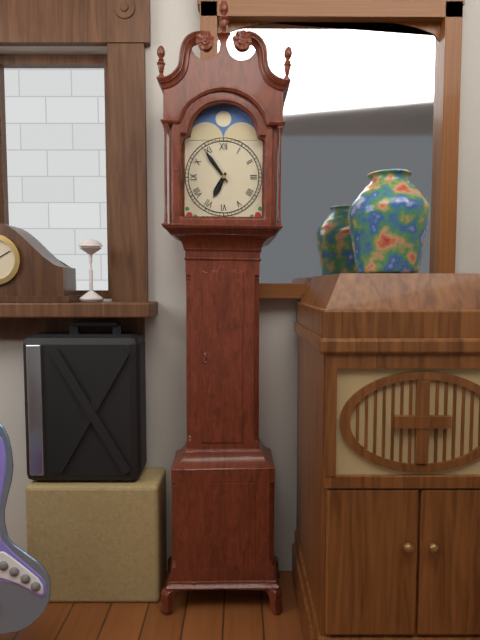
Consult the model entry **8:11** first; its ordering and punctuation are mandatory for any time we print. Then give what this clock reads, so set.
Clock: **6:54**
